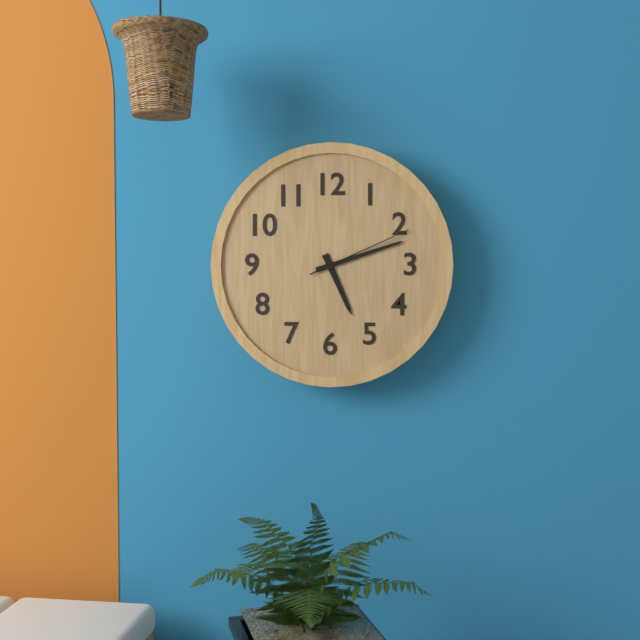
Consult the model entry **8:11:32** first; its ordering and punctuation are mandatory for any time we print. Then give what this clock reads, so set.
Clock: **5:12:11**
